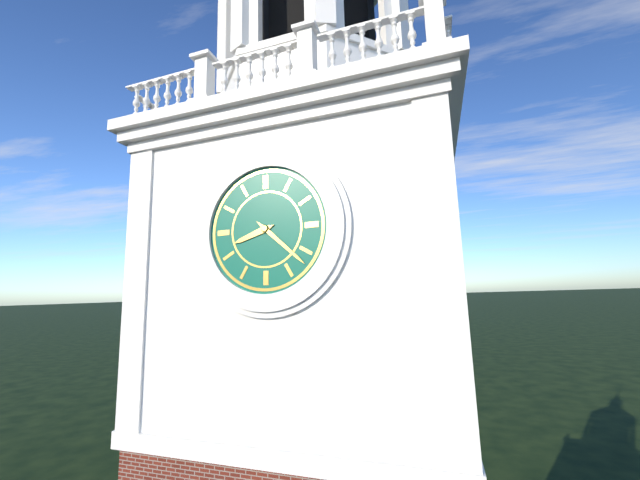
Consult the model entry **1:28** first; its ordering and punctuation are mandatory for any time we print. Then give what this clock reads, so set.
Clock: **8:22**
